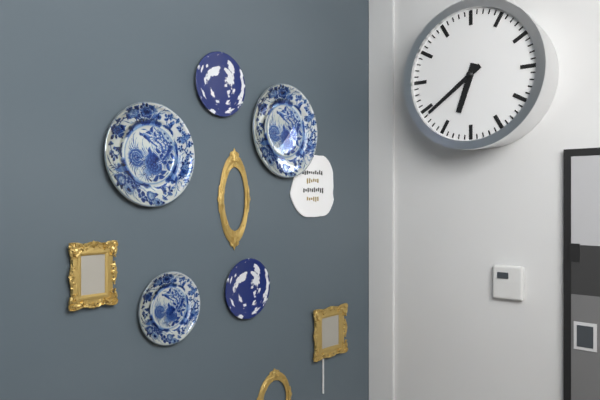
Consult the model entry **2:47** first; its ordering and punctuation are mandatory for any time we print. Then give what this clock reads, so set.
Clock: **6:39**
